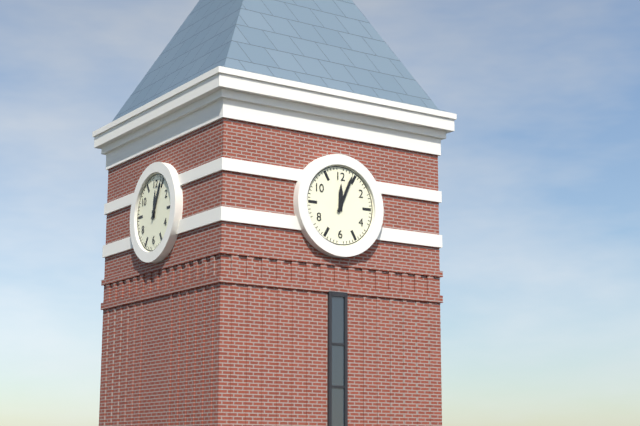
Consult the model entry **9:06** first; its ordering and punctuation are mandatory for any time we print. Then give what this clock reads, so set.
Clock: **12:04**
